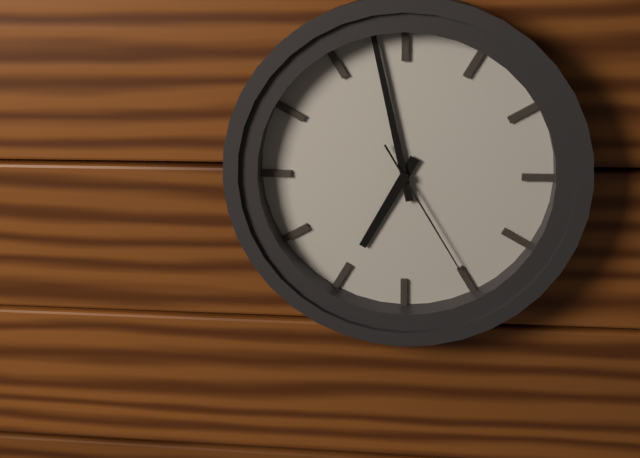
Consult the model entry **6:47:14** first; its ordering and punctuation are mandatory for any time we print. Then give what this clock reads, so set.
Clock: **6:58:25**
